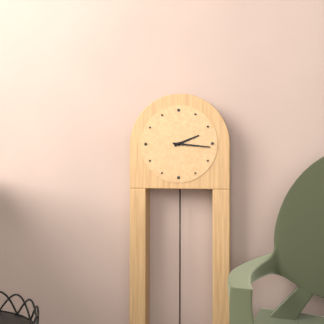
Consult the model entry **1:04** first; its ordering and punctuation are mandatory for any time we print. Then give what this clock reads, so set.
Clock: **2:16**
